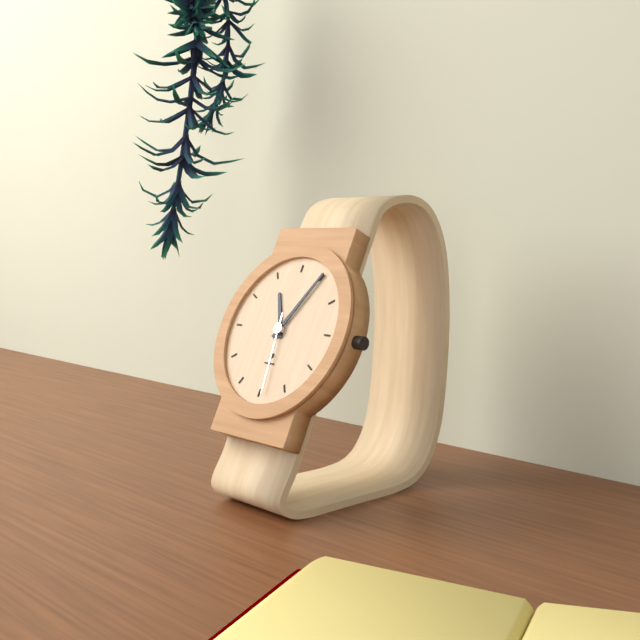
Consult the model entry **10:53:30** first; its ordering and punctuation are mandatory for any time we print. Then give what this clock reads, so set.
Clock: **11:05:29**
